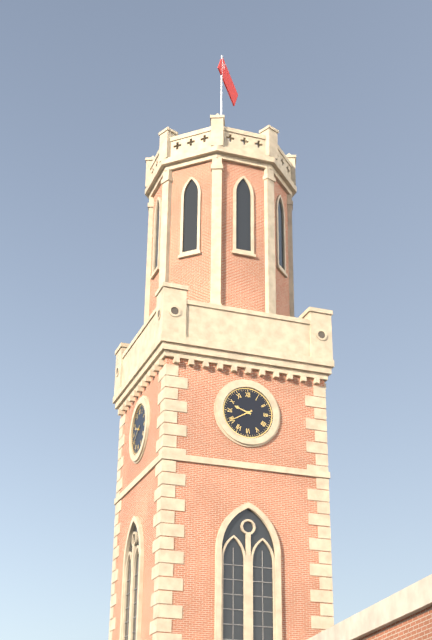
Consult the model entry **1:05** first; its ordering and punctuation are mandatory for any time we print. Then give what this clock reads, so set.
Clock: **9:40**
